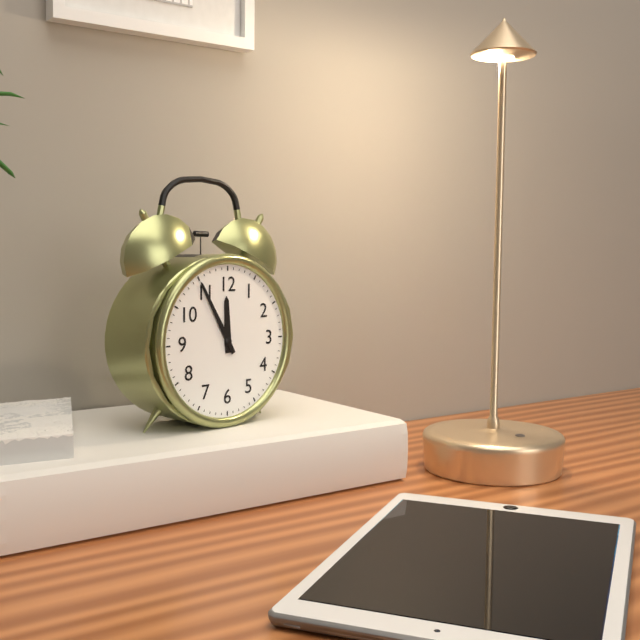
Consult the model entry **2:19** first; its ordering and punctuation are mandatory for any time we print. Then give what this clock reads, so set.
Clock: **11:55**
